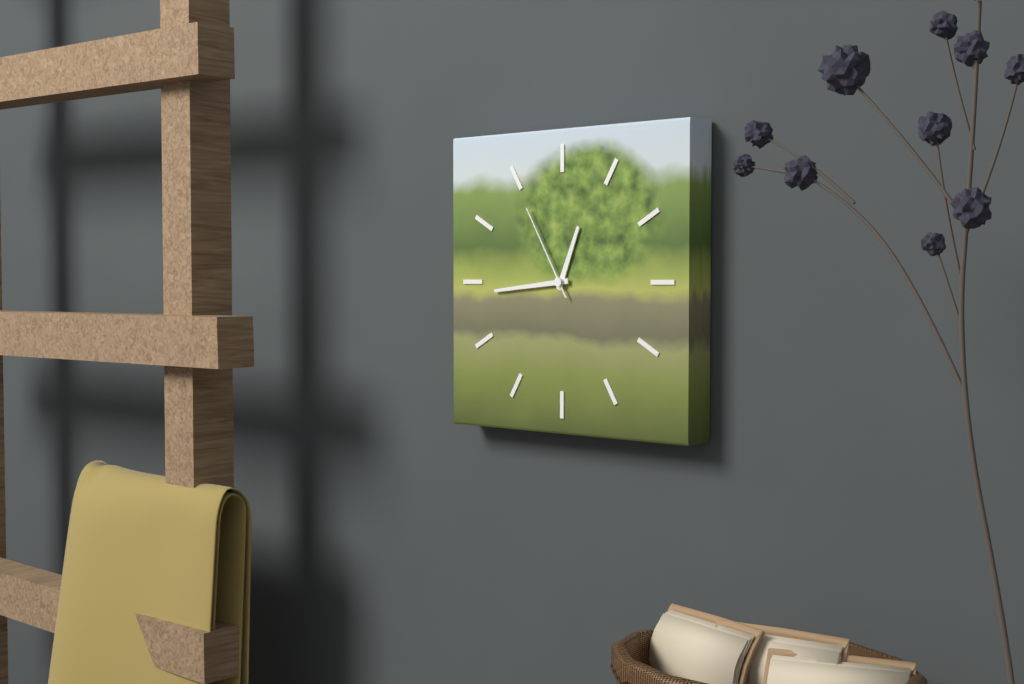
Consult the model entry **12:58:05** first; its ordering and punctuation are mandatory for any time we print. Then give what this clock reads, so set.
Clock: **12:44:55**
